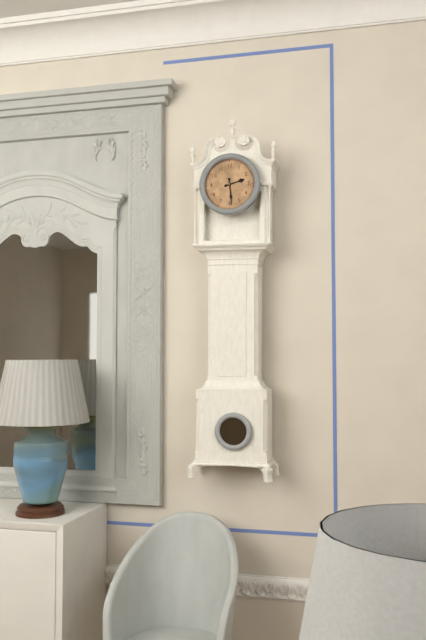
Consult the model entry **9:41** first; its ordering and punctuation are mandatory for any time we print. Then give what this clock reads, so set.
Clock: **2:29**
